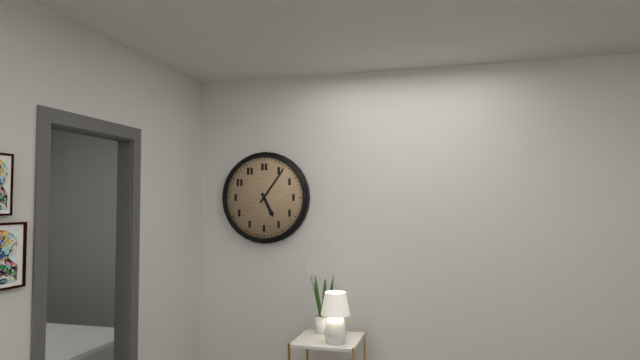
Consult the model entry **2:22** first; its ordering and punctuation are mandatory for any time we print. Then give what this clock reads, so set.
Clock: **5:06**
